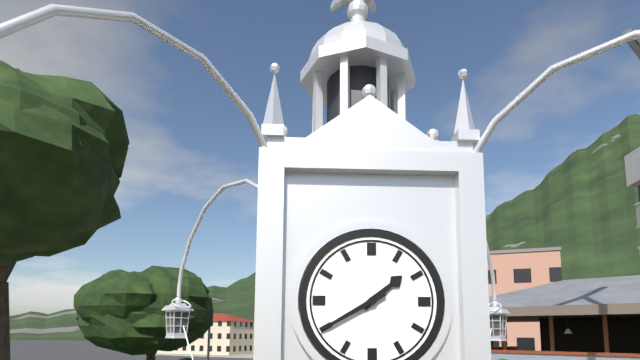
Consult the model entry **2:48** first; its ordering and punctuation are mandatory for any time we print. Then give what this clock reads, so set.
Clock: **1:40**
